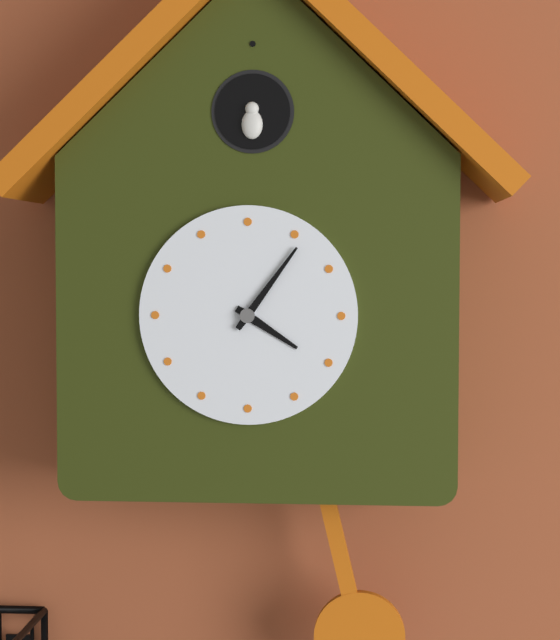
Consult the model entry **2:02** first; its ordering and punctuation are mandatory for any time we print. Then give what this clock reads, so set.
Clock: **4:06**
